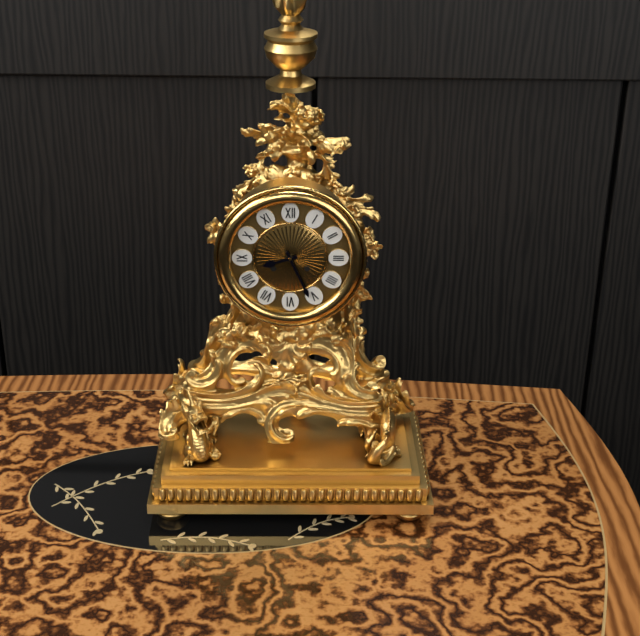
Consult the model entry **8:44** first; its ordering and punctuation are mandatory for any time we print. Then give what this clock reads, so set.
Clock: **8:26**
